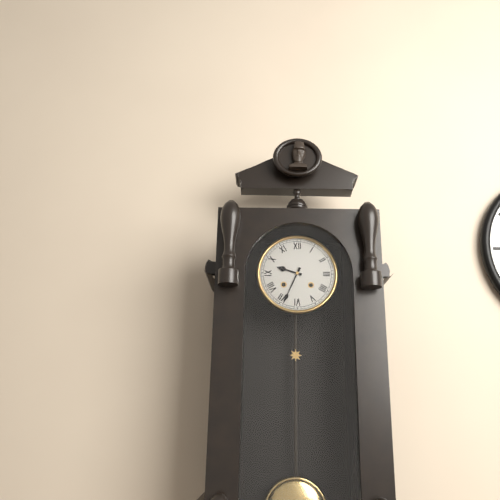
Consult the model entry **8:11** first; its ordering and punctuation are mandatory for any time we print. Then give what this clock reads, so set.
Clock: **9:34**
